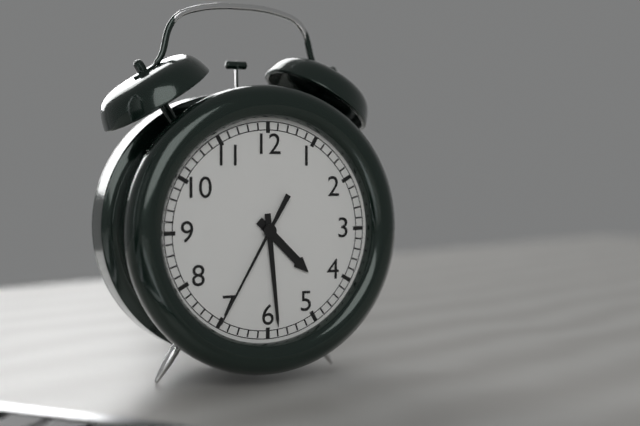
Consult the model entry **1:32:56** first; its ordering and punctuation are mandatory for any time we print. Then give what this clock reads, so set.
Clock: **4:29:35**
